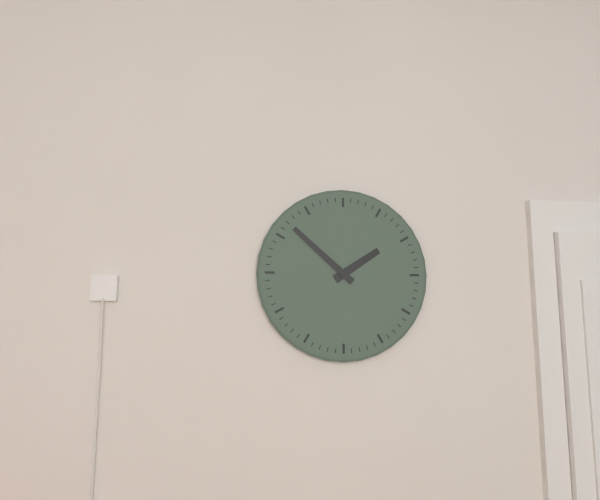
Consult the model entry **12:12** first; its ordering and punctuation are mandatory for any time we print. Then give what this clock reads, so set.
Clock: **1:52**
